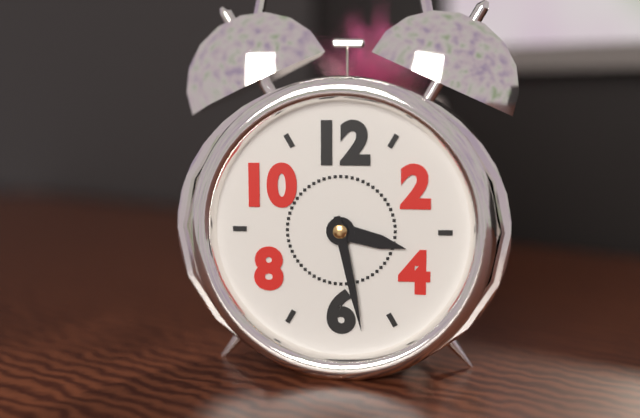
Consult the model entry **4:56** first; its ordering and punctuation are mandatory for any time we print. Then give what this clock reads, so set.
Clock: **3:28**
